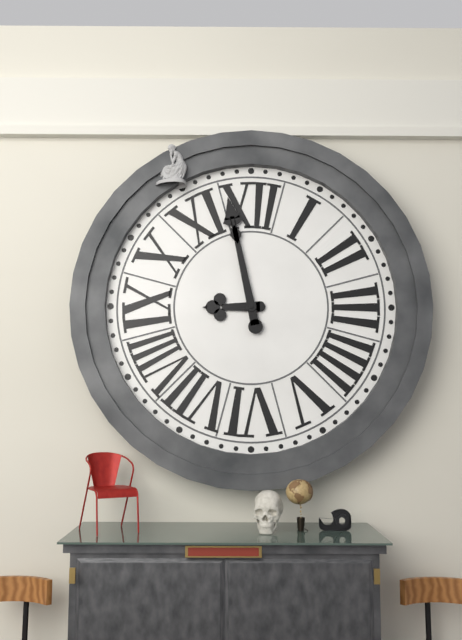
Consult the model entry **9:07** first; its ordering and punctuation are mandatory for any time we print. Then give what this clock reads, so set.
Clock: **8:58**
